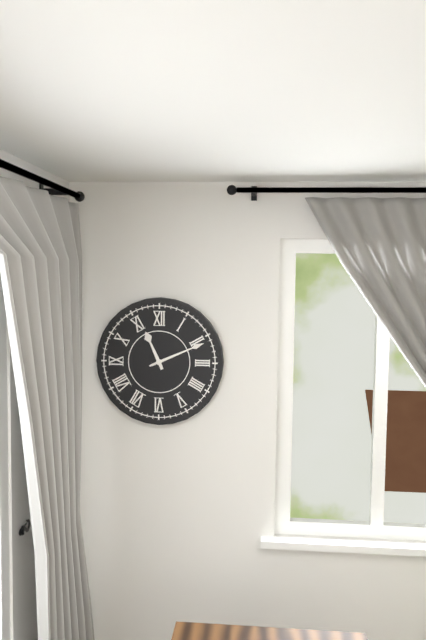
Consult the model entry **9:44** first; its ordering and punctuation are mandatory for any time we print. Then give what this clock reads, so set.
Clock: **11:11**
